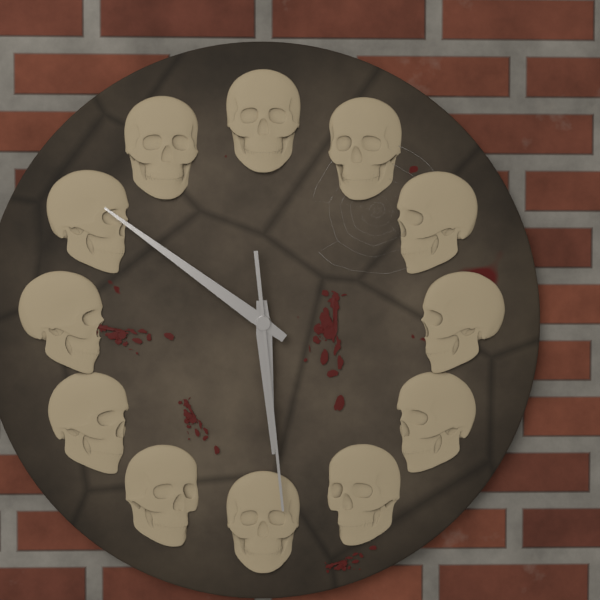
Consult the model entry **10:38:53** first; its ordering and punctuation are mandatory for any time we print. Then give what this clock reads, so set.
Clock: **5:51:29**
